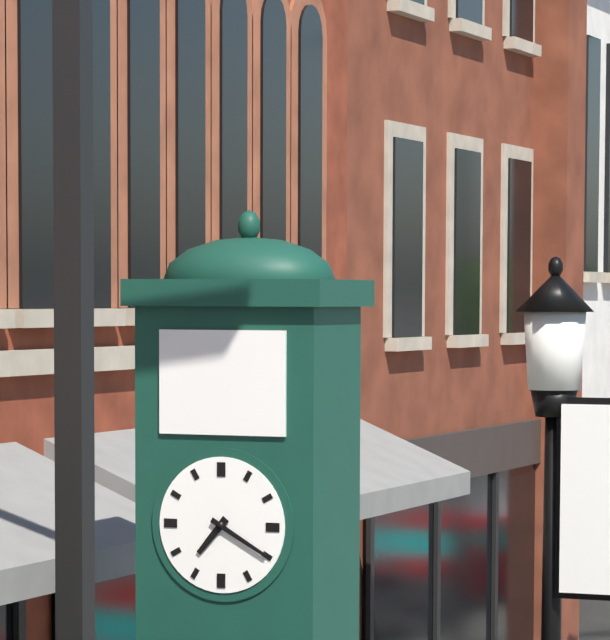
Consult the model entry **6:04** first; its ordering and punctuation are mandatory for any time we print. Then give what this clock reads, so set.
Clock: **7:20**
